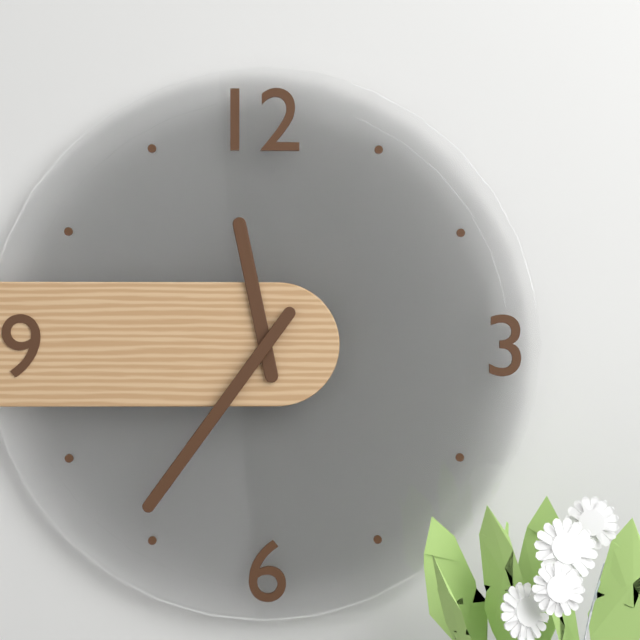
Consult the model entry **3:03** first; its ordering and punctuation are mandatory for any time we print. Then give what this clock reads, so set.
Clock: **11:36**
